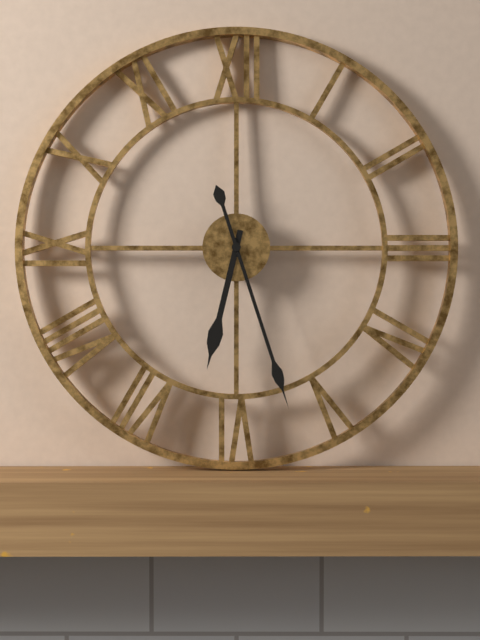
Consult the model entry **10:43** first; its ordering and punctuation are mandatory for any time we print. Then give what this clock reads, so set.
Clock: **6:27**
